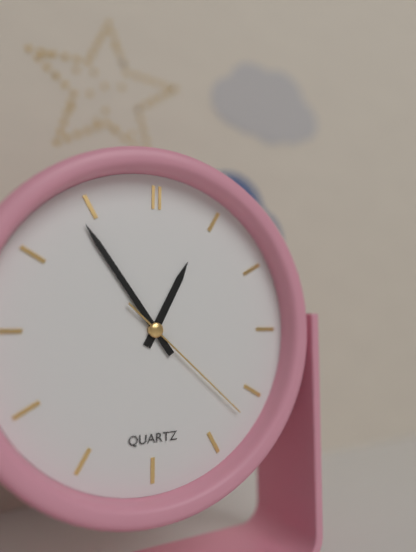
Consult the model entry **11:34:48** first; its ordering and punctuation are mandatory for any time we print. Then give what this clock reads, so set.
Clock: **12:54:22**
